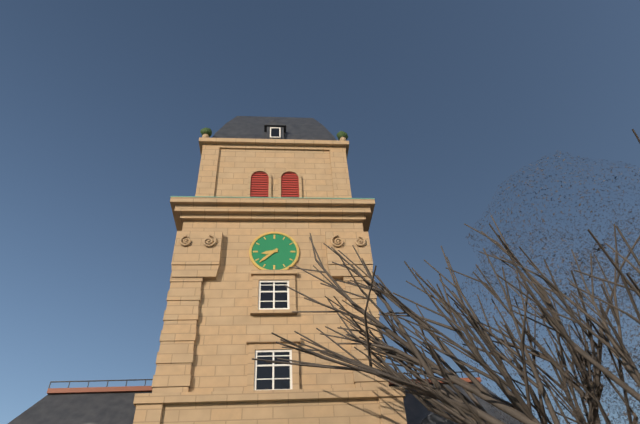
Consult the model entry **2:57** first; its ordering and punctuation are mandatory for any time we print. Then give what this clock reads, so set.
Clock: **8:38**
